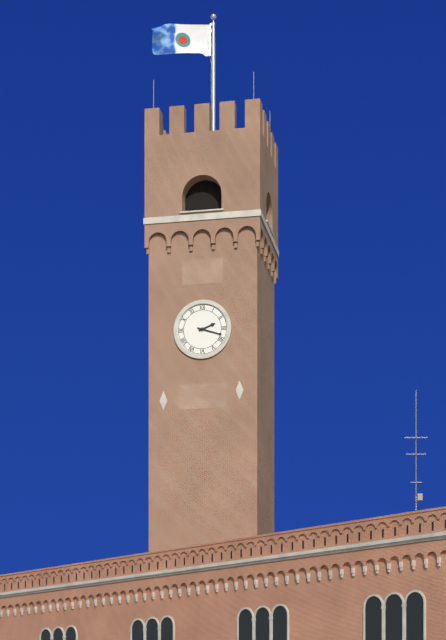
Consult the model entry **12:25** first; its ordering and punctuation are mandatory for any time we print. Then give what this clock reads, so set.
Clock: **2:18**
